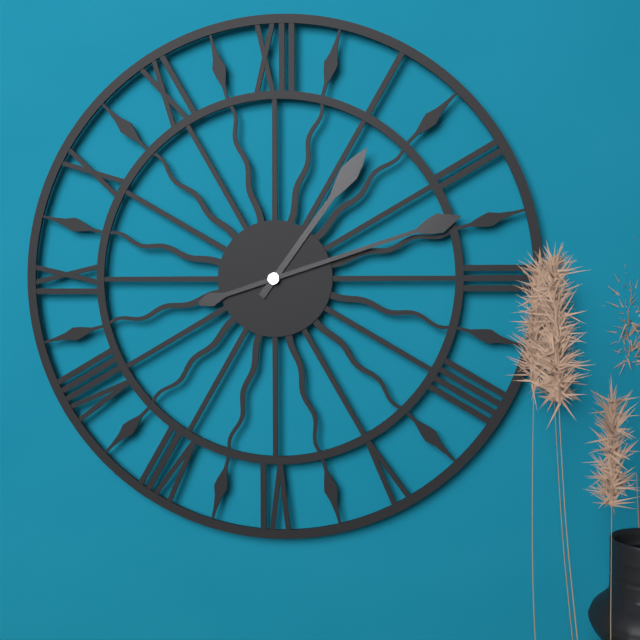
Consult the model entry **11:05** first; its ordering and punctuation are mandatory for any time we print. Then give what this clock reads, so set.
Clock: **1:12**
